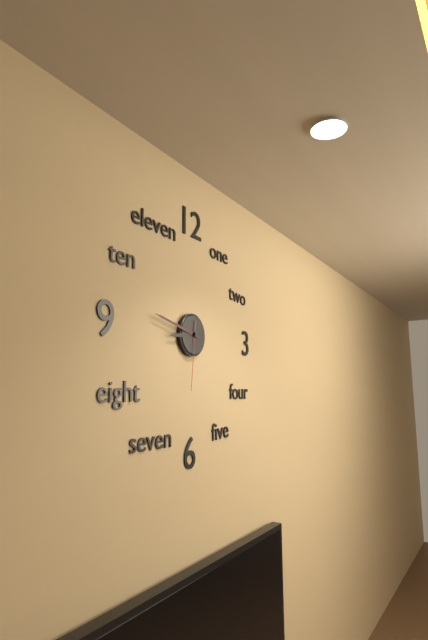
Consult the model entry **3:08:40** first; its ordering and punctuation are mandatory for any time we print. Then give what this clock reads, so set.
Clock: **8:47:31**
